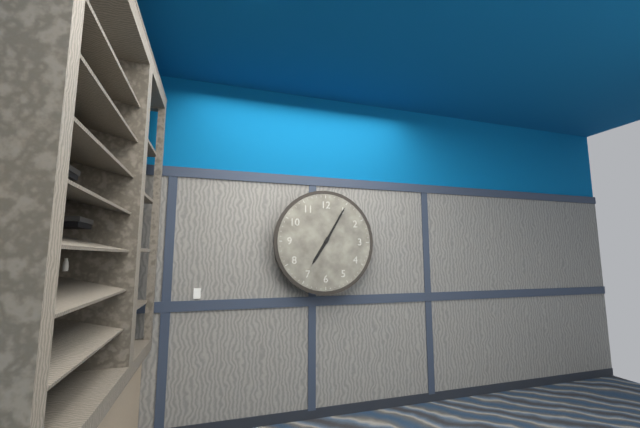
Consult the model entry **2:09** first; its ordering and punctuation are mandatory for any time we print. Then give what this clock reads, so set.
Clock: **7:05**
